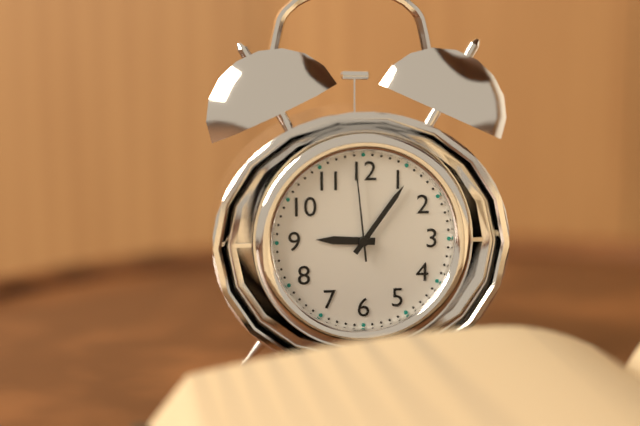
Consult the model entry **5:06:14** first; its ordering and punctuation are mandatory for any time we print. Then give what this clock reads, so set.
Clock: **9:06:59**
